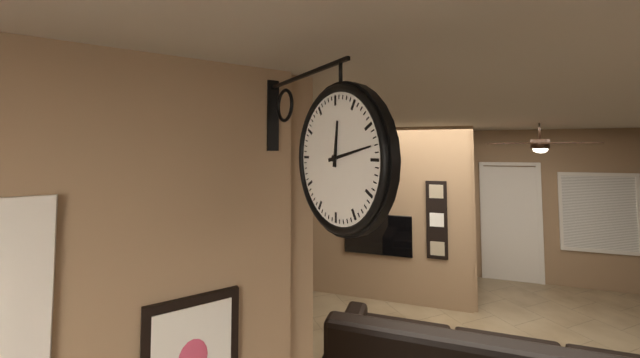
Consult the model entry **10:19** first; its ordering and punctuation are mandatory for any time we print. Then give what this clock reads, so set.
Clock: **12:13**
